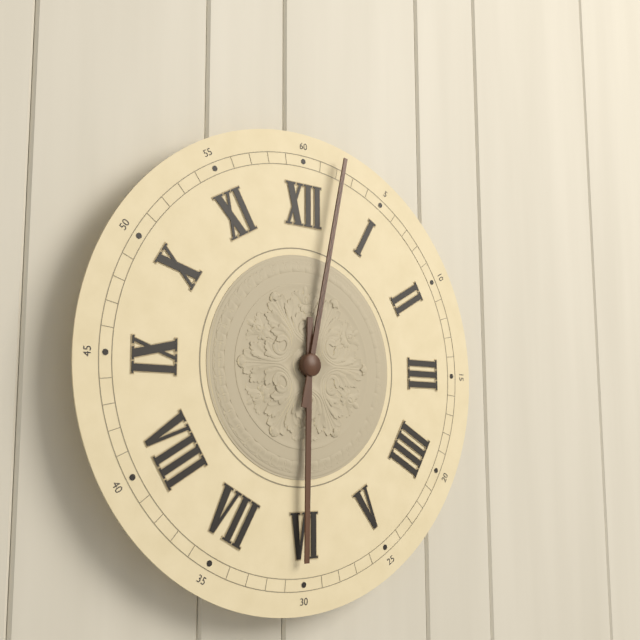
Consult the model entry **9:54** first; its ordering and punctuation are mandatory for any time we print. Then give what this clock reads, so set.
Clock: **6:02**
